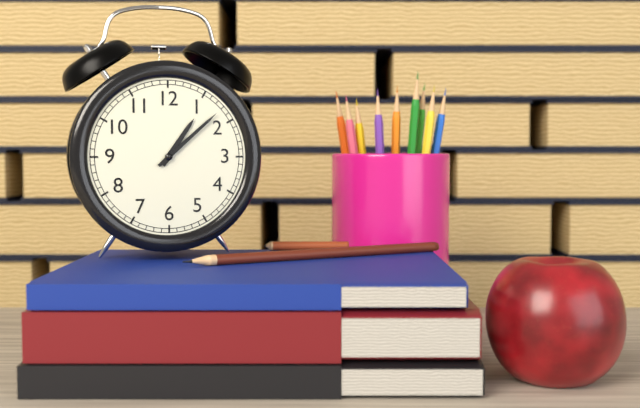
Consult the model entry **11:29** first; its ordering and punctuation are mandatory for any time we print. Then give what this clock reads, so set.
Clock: **1:08**
